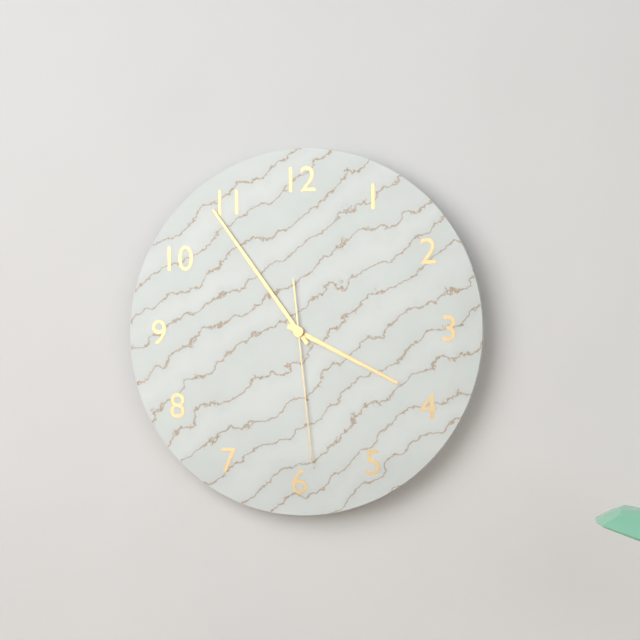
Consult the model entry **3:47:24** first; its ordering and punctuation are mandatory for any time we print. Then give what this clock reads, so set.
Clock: **3:54:29**
